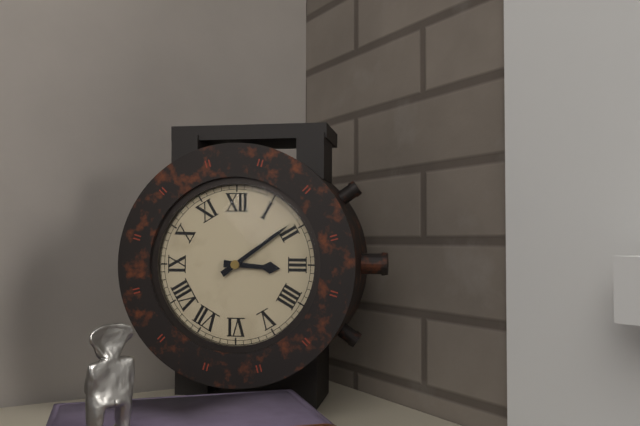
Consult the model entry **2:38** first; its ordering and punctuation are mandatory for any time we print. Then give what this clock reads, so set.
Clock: **3:09**
